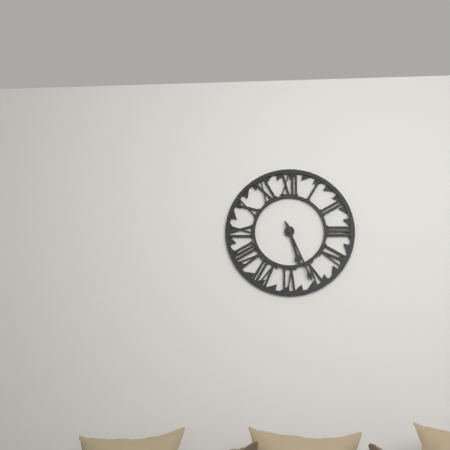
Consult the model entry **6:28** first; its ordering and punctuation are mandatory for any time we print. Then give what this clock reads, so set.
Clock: **5:26**
